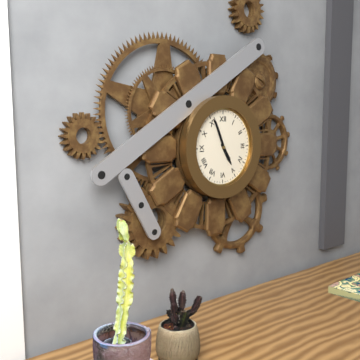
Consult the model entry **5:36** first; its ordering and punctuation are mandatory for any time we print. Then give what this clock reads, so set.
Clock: **4:56**
